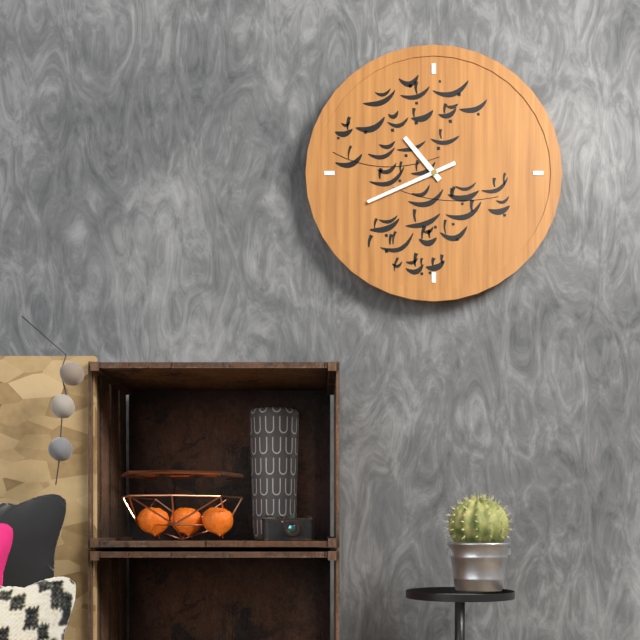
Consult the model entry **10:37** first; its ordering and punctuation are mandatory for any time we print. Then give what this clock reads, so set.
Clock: **10:41**
